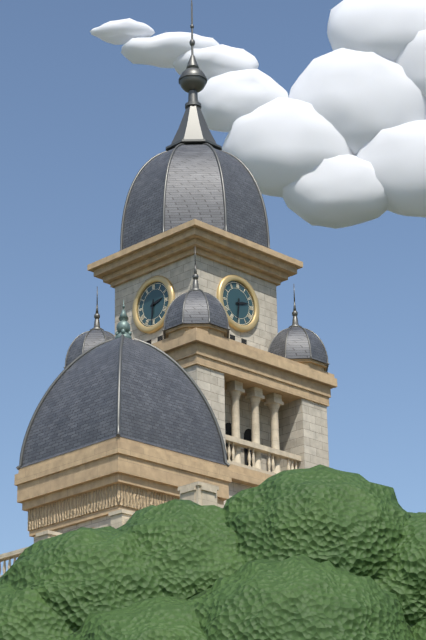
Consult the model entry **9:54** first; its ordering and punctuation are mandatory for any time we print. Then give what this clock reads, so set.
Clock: **2:31**
